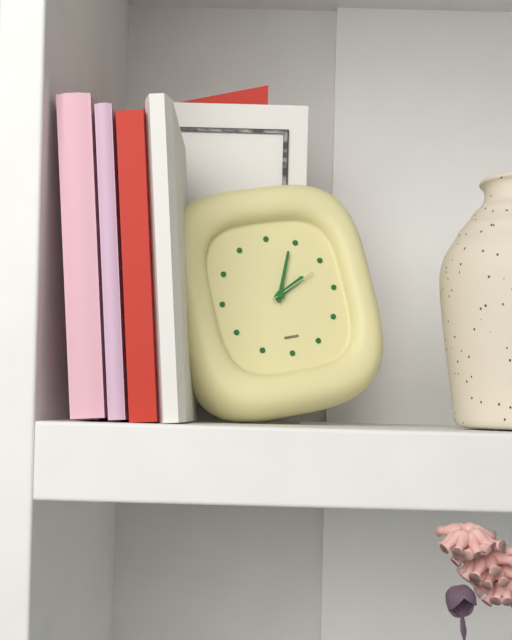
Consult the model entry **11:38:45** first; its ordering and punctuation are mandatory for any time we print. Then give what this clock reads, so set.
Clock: **2:04:11**
